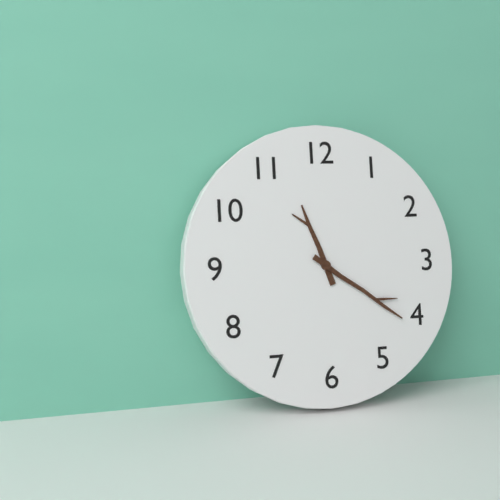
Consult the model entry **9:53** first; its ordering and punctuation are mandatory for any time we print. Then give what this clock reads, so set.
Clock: **11:21**
